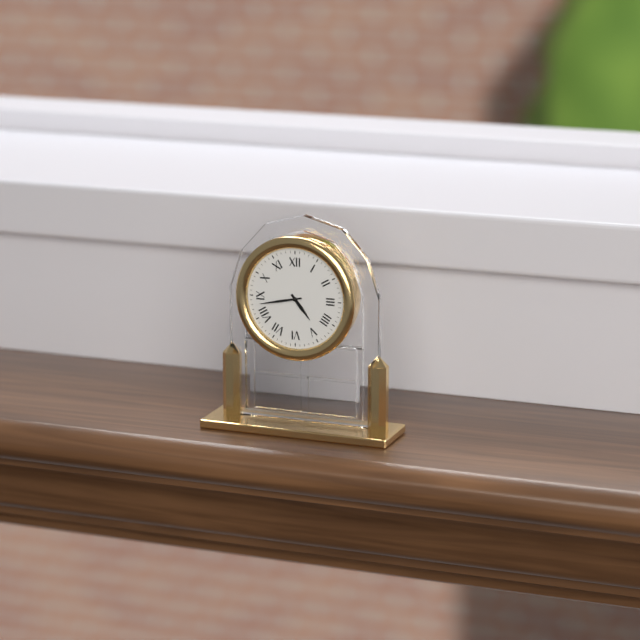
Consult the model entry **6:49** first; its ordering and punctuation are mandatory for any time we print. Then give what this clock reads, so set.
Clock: **4:43**
